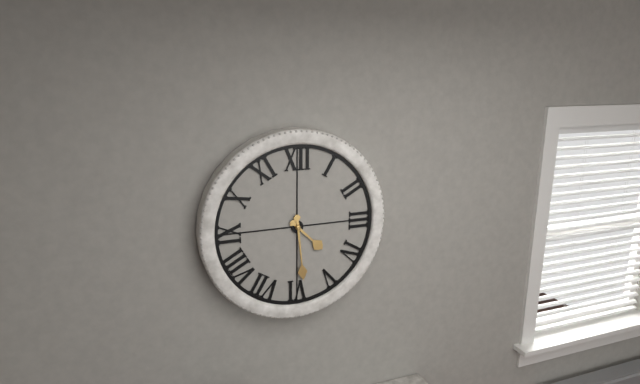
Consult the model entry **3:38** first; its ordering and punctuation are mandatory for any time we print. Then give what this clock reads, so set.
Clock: **4:29**
